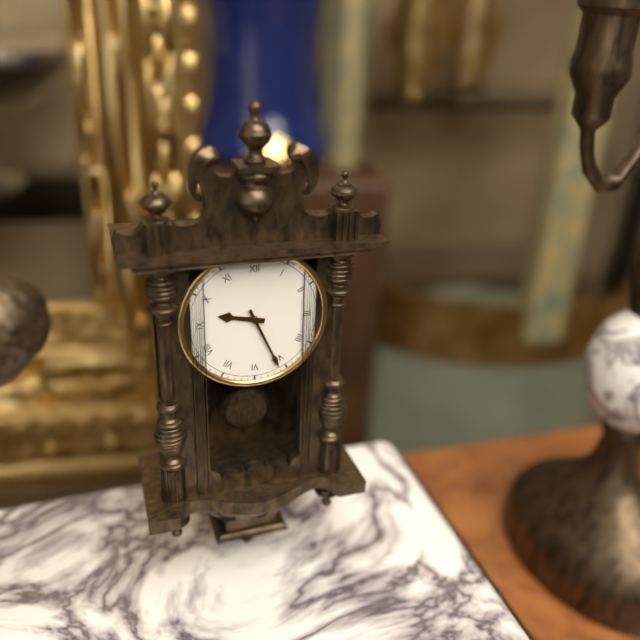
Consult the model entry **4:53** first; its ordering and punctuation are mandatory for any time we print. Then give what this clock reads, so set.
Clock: **9:26**
